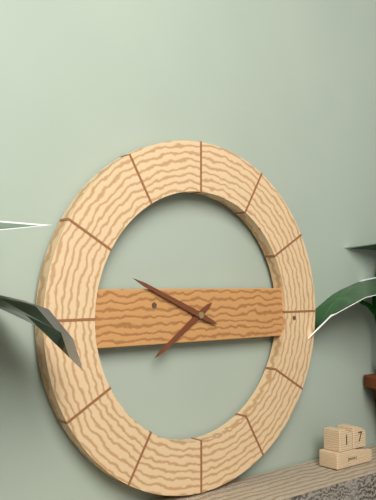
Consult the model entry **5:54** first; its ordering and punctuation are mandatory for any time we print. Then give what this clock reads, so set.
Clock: **7:49**
